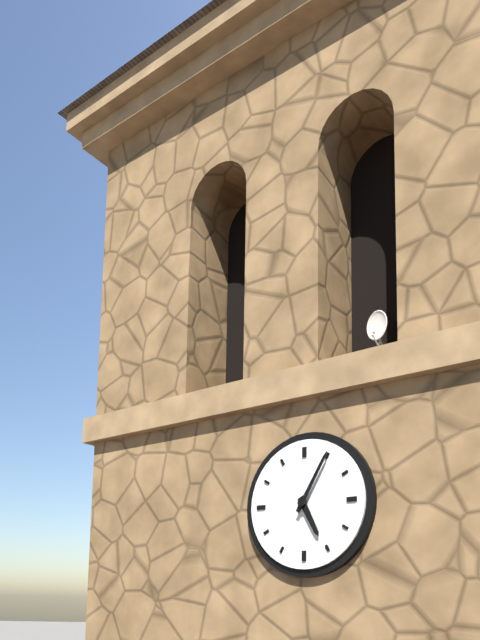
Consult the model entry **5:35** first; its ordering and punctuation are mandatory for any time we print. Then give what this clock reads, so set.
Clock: **5:05**
